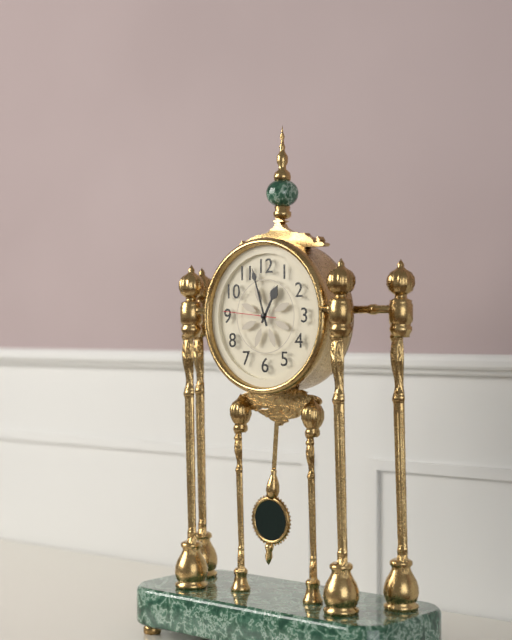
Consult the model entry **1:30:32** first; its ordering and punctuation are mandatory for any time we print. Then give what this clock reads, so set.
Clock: **12:57:46**
